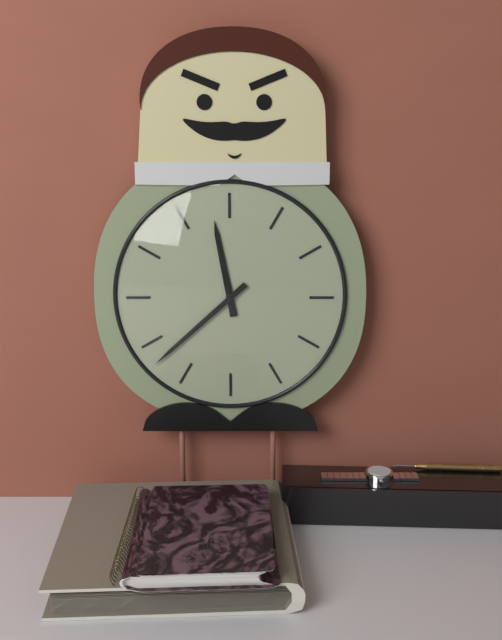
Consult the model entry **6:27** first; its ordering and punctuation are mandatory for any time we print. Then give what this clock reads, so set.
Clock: **11:38**
